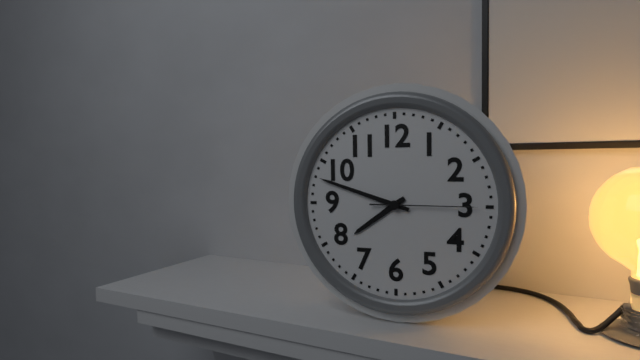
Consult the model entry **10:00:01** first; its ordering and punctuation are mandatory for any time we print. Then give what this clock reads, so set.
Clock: **7:48:15**
